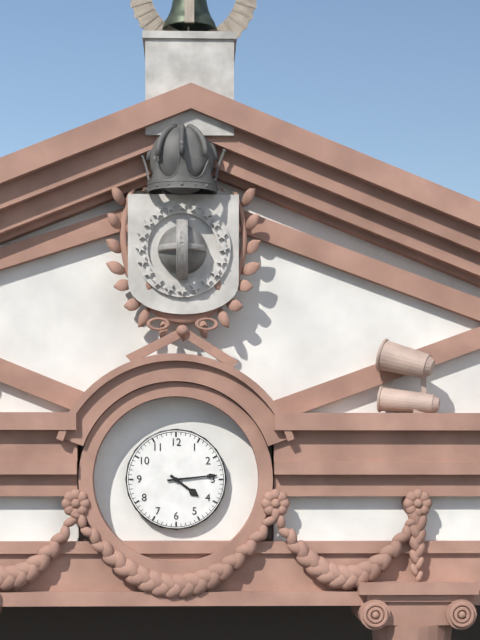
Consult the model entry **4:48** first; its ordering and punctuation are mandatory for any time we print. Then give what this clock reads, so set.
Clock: **4:14**
